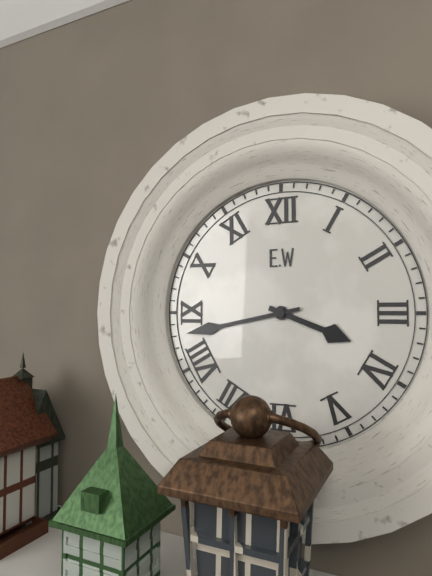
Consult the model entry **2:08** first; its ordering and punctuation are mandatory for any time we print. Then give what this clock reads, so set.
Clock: **3:43**
